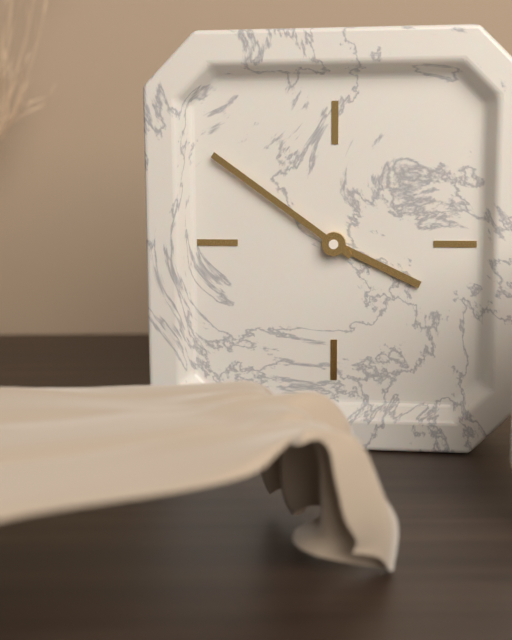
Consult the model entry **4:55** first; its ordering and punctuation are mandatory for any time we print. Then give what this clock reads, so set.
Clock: **3:51**
